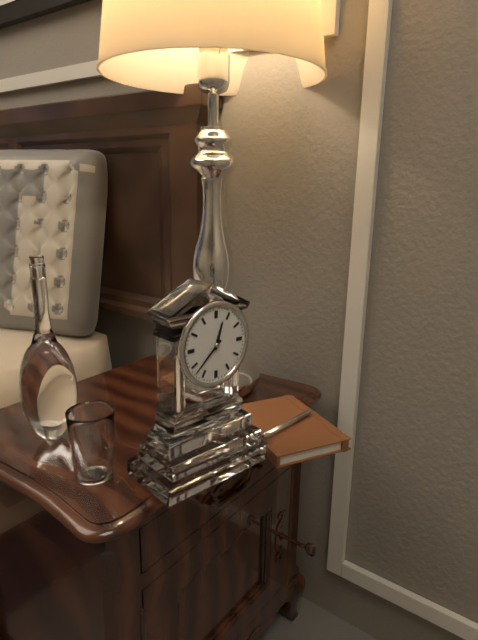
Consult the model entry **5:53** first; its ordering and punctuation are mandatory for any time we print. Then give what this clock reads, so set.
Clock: **12:38**
